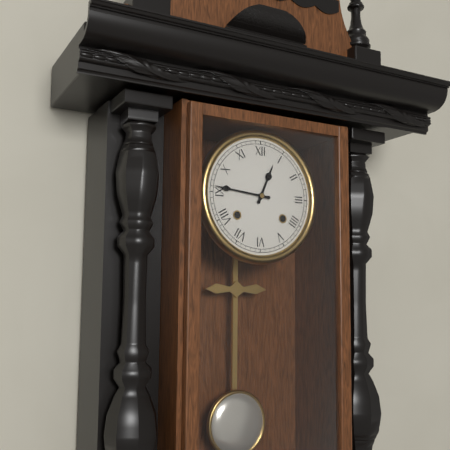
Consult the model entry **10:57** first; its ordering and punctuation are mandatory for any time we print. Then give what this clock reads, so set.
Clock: **12:46**
